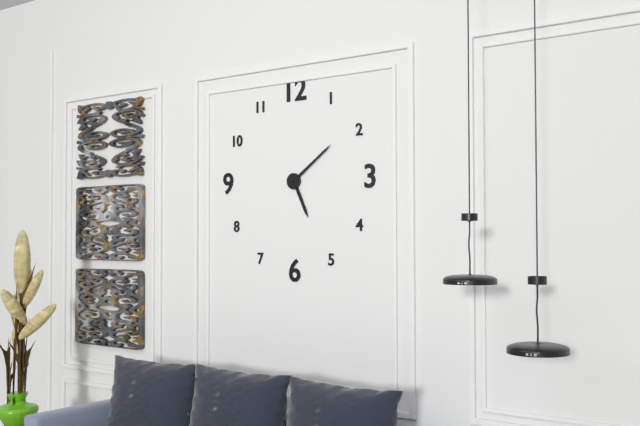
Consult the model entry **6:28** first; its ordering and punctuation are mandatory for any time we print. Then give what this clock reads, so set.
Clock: **5:09**
